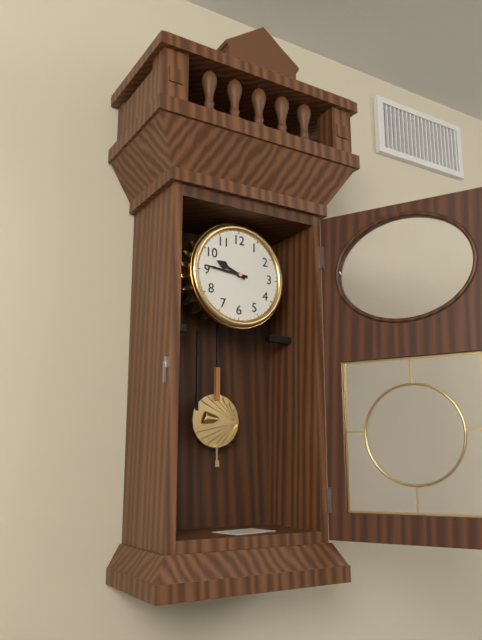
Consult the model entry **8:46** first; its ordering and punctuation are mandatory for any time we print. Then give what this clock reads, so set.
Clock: **9:46**
